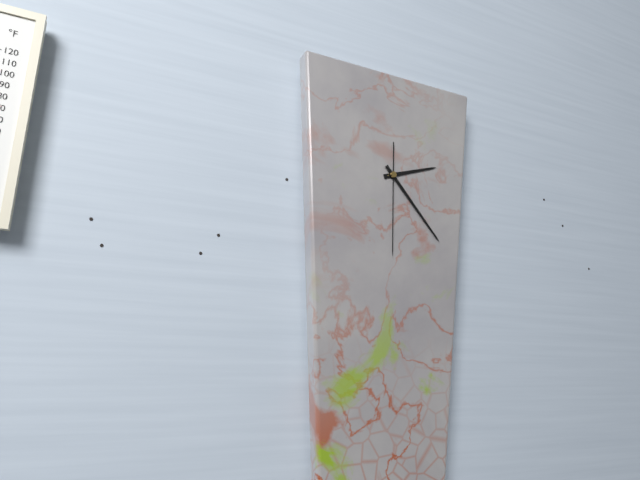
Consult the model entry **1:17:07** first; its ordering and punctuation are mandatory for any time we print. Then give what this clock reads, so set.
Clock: **2:23:30**
